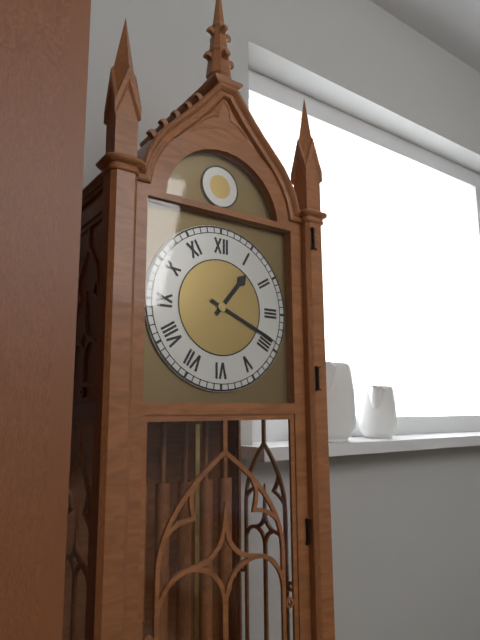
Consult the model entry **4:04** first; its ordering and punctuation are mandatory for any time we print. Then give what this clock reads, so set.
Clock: **1:19**
